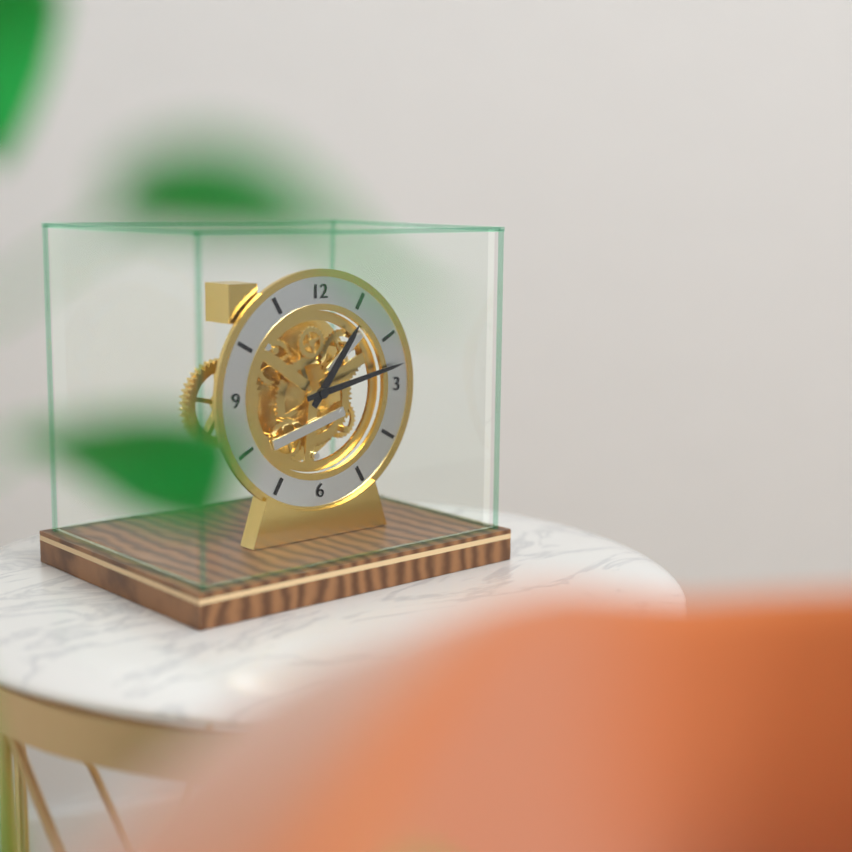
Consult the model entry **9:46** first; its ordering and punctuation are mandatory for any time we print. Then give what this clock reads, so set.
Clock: **1:13**
